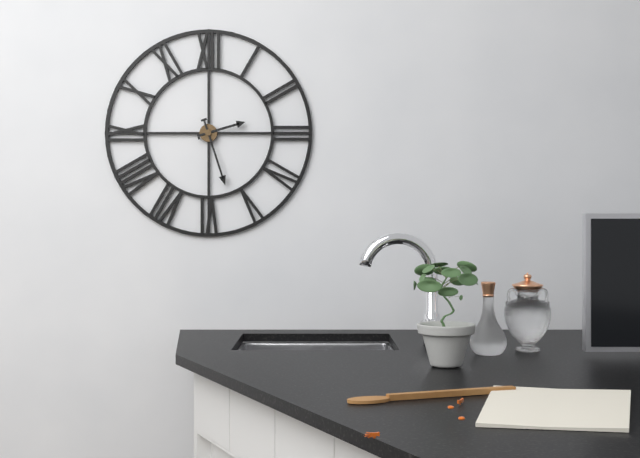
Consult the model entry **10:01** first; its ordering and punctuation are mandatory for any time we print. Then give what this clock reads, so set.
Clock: **2:27**
